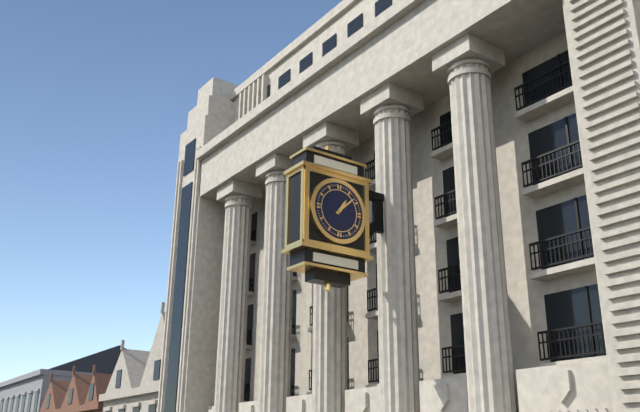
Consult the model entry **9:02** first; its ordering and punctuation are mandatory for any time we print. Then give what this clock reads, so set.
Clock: **1:08**
